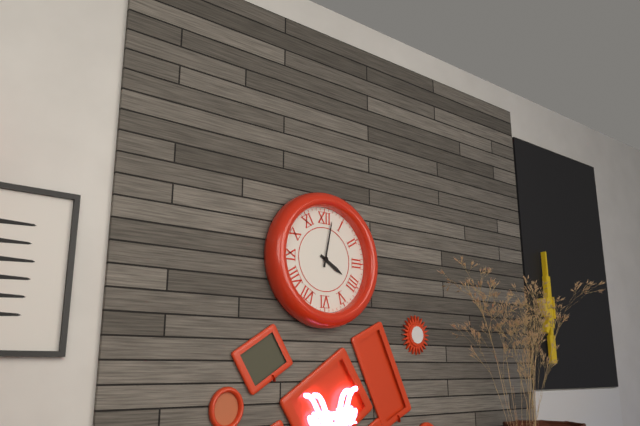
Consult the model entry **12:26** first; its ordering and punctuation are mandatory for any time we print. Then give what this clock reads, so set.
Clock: **4:02**
